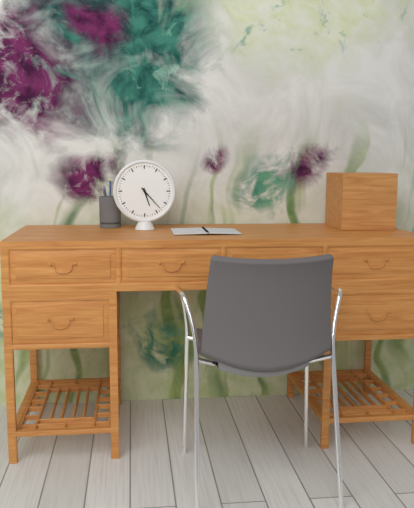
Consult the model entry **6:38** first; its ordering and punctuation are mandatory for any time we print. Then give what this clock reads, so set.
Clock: **5:23**
